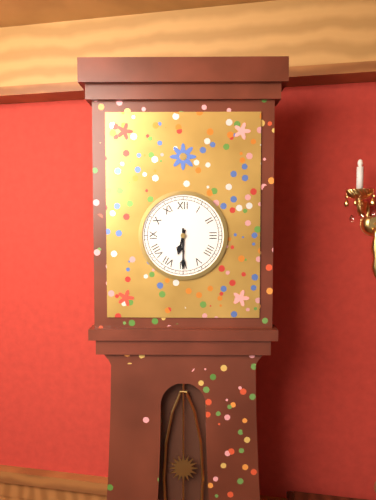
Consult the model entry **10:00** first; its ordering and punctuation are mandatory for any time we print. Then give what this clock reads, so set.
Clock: **6:30**
